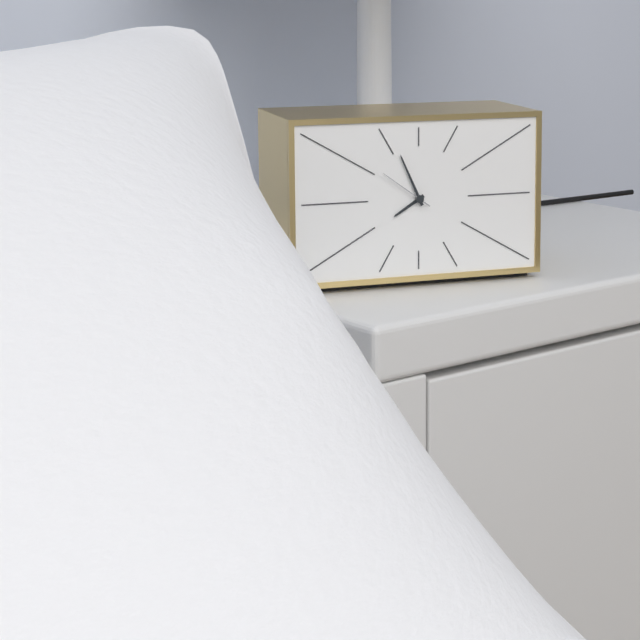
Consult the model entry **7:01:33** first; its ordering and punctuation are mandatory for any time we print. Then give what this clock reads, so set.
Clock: **7:56:51**
